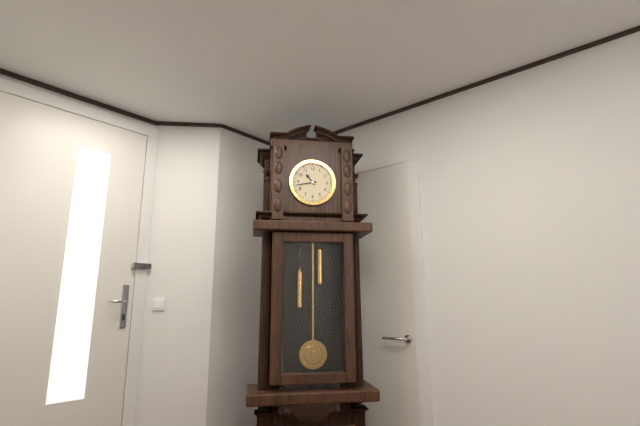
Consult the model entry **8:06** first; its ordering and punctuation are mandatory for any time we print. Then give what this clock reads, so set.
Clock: **10:43**
